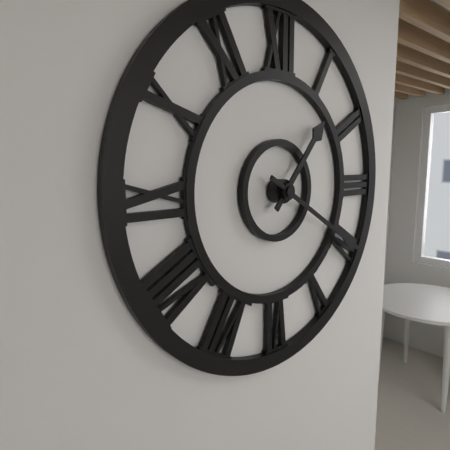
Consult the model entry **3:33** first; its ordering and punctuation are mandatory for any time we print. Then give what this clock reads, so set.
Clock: **1:20**
